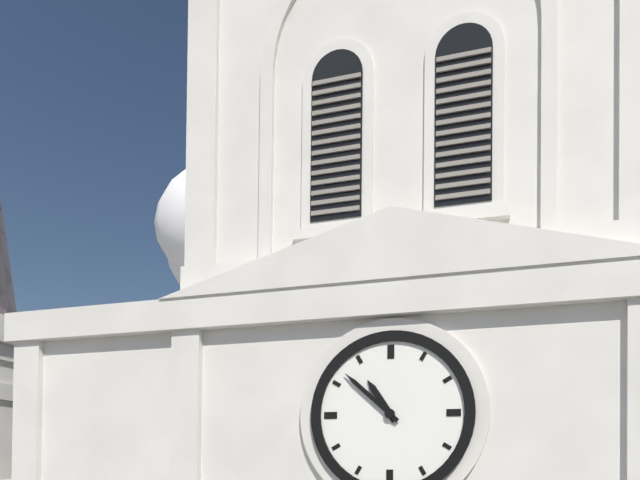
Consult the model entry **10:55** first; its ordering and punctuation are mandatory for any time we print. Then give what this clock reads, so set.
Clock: **10:52**
